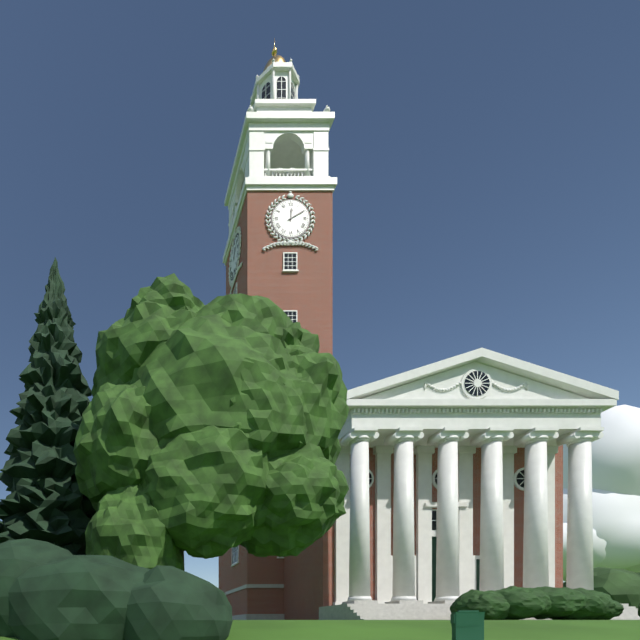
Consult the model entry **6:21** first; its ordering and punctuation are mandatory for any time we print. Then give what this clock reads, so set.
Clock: **12:10**
